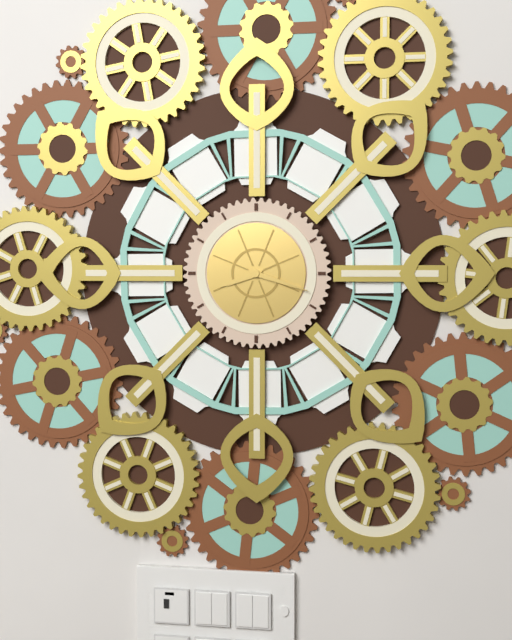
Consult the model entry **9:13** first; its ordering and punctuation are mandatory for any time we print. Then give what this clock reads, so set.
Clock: **8:18**
